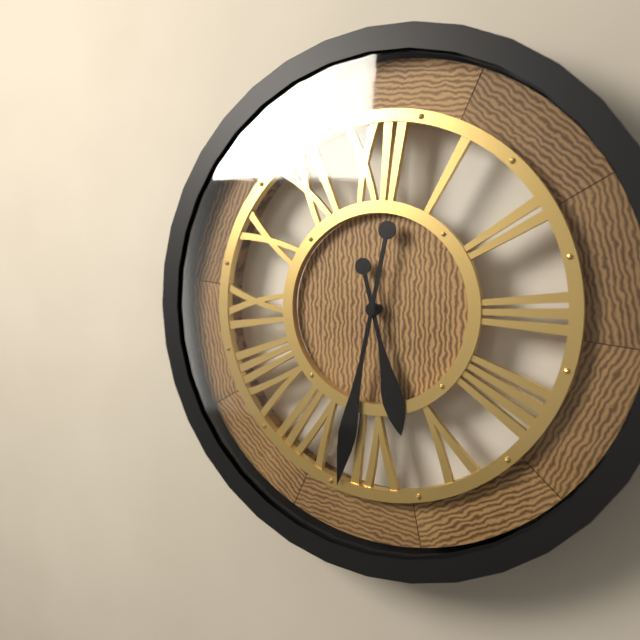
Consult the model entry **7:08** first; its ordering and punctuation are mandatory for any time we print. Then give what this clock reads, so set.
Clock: **5:32**
